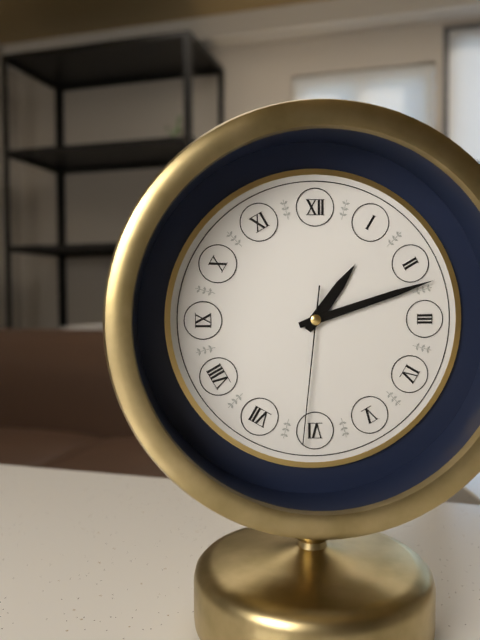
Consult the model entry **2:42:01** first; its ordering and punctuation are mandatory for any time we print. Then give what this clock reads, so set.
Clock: **1:12:31**
